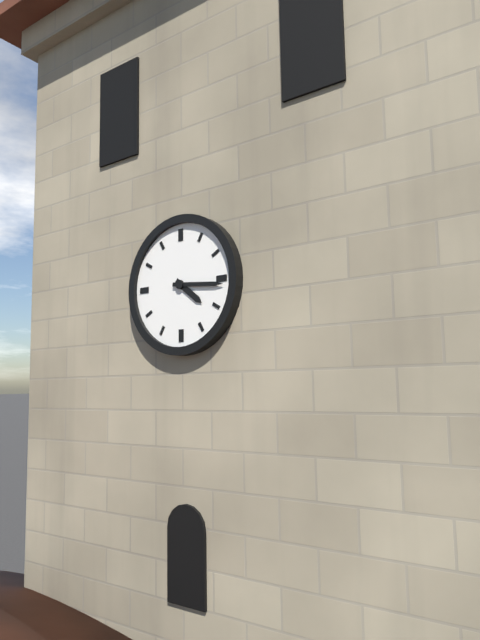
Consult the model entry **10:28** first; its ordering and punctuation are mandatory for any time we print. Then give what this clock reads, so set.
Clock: **4:16**
